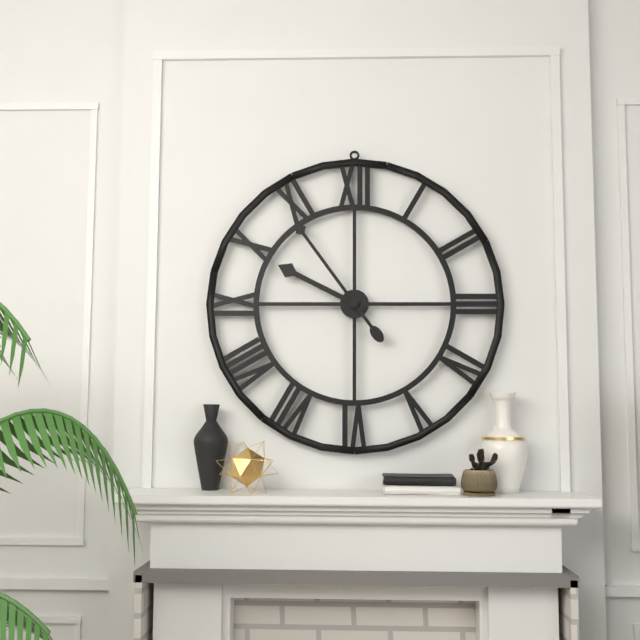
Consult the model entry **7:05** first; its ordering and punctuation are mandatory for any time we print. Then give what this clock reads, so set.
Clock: **9:54**
